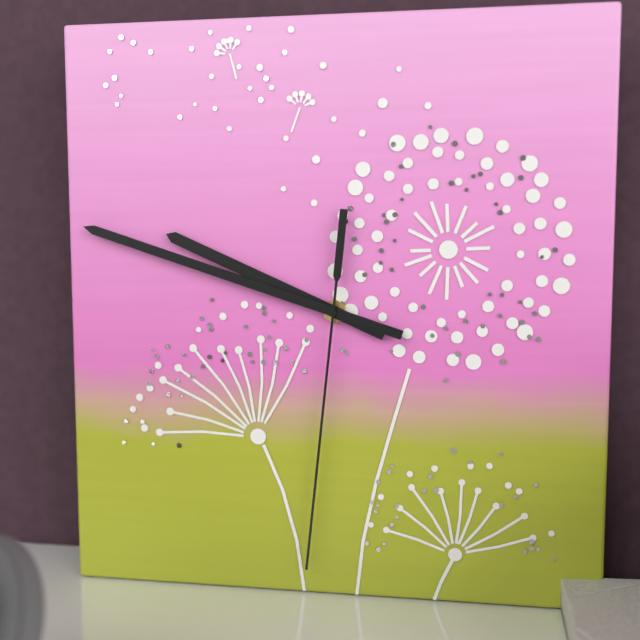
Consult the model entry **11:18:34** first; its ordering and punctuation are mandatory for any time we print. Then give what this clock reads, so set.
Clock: **9:48:31**
